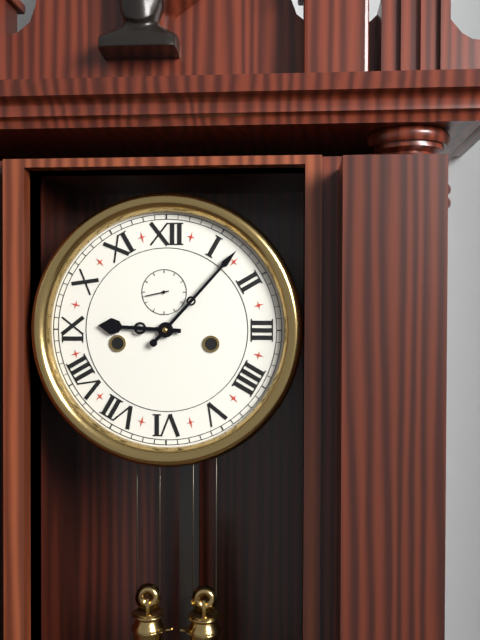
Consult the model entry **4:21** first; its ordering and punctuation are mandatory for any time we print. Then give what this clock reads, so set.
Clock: **9:07**
